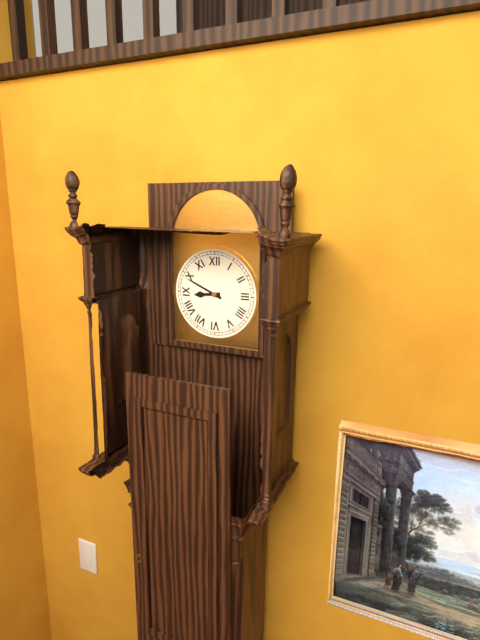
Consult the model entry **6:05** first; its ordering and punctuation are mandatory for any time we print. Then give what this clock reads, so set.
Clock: **8:49**
